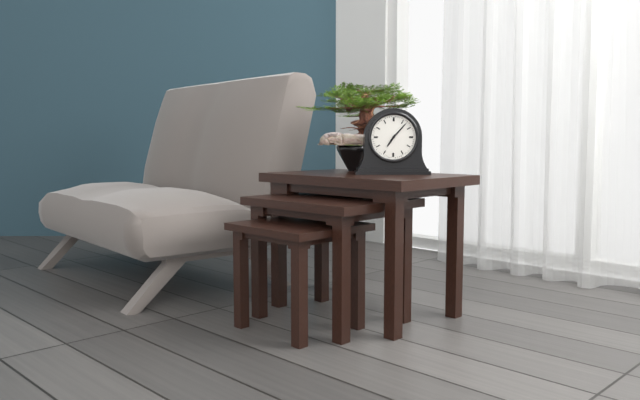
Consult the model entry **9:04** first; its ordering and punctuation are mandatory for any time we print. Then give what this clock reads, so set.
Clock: **7:07**
